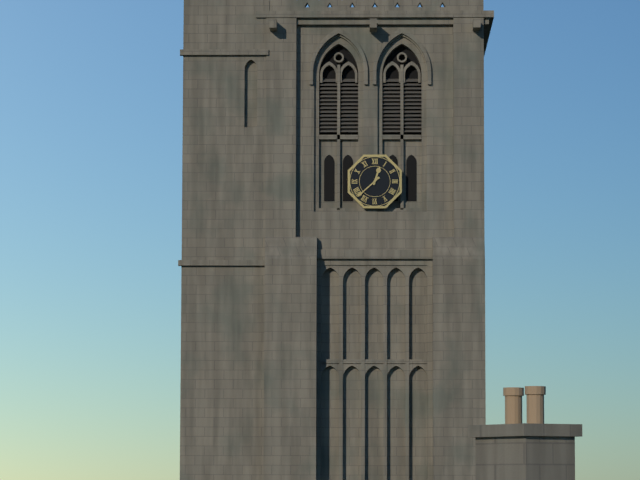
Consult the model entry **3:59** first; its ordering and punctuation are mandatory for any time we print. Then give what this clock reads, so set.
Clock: **12:38**
